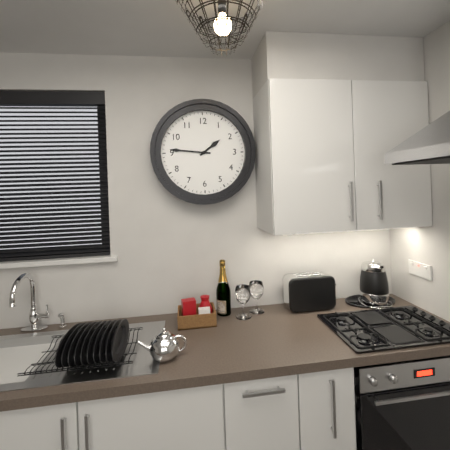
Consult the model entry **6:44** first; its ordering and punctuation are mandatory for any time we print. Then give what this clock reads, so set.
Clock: **1:46**
